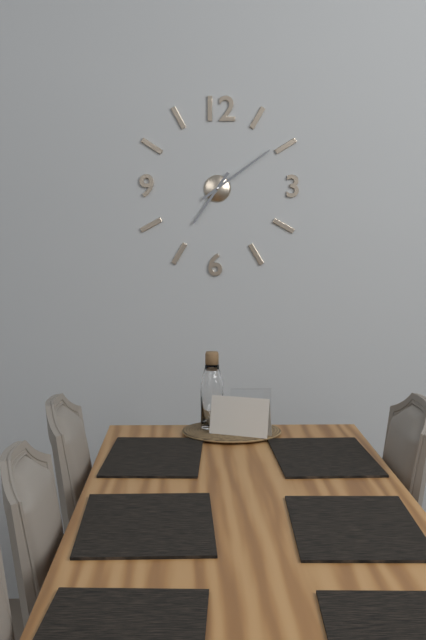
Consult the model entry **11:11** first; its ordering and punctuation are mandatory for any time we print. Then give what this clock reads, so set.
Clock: **7:09**
